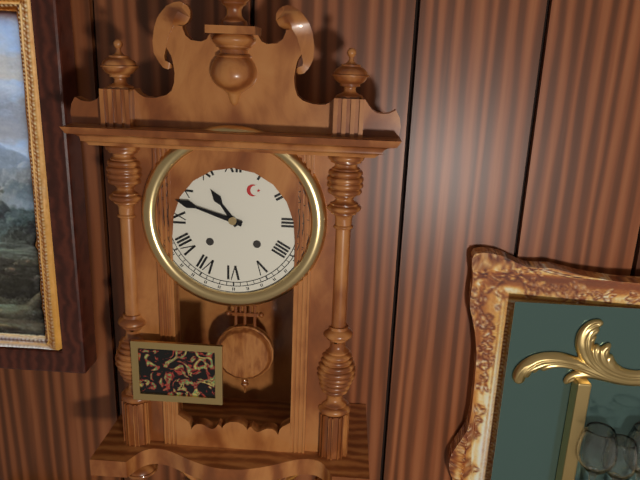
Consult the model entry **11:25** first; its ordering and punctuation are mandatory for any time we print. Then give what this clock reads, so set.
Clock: **10:48**
